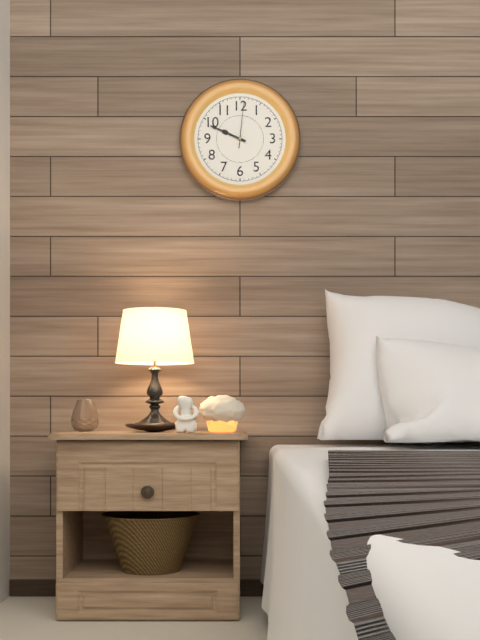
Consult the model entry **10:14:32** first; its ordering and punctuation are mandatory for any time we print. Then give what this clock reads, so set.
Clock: **9:49:01**
